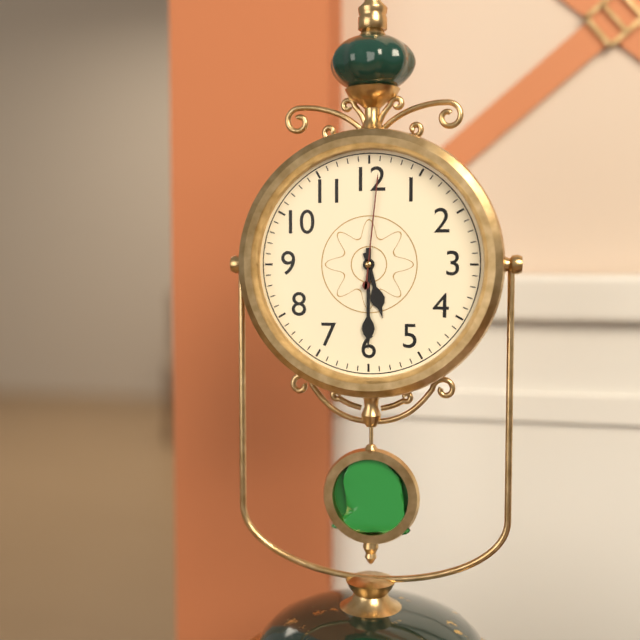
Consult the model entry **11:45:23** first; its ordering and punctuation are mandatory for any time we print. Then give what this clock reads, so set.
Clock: **5:30:01**
